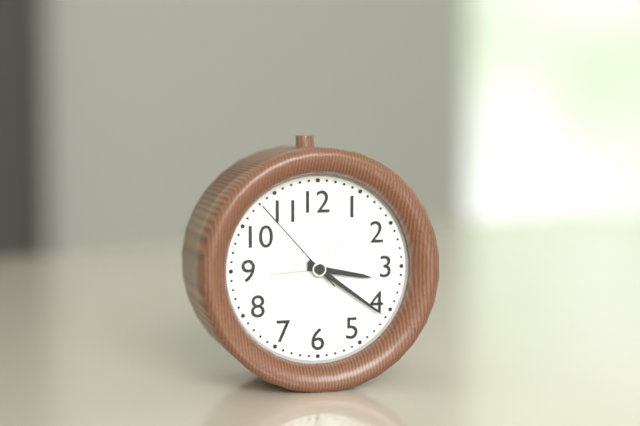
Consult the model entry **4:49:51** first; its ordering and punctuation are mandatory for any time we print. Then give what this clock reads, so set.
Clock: **3:21:53**
